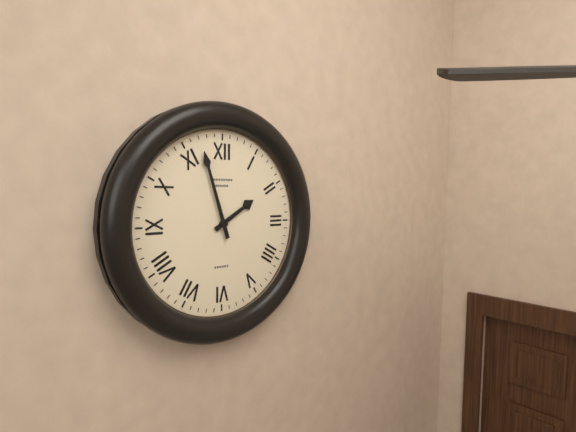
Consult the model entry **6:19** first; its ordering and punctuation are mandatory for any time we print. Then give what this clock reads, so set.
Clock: **1:57**
